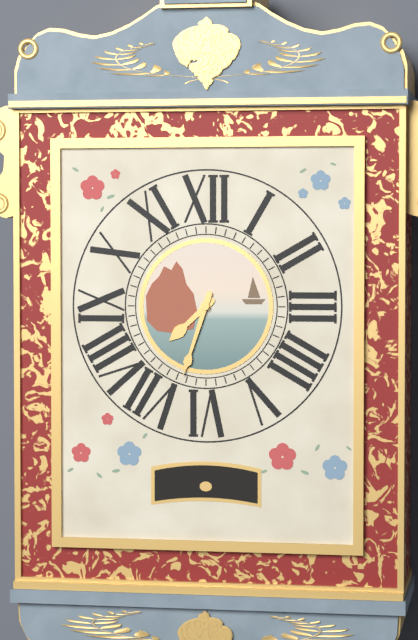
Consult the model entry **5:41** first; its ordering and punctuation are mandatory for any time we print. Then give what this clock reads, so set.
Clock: **7:33**
